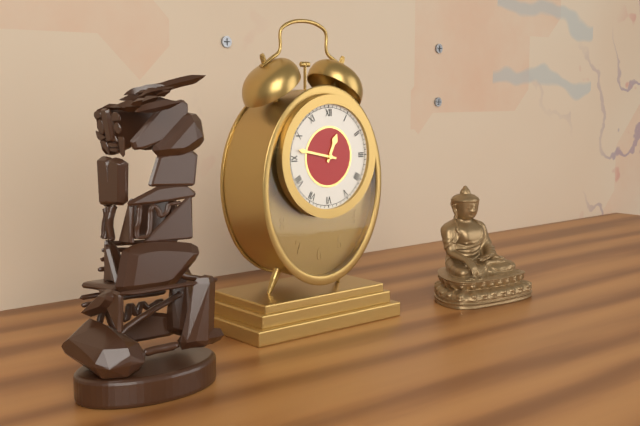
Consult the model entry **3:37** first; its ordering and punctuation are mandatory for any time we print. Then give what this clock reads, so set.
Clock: **12:47**
